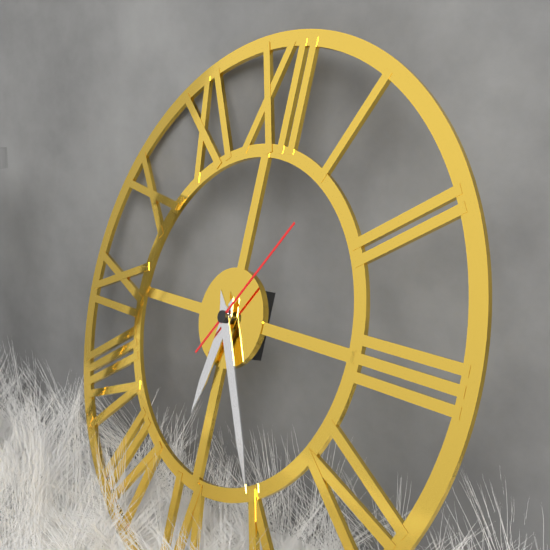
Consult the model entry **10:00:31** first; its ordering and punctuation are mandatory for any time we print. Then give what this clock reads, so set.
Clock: **6:25:06**
